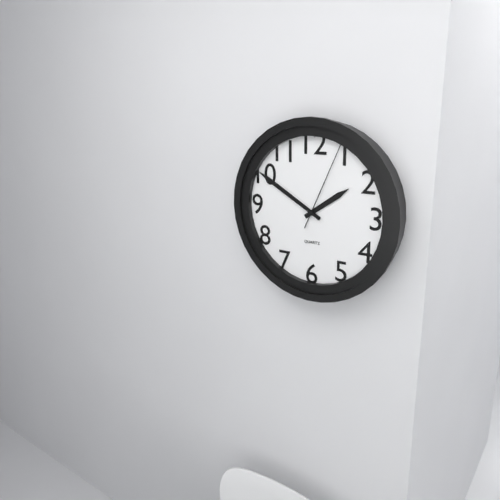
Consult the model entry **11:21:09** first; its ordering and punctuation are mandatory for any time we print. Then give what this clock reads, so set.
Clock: **1:50:04**
